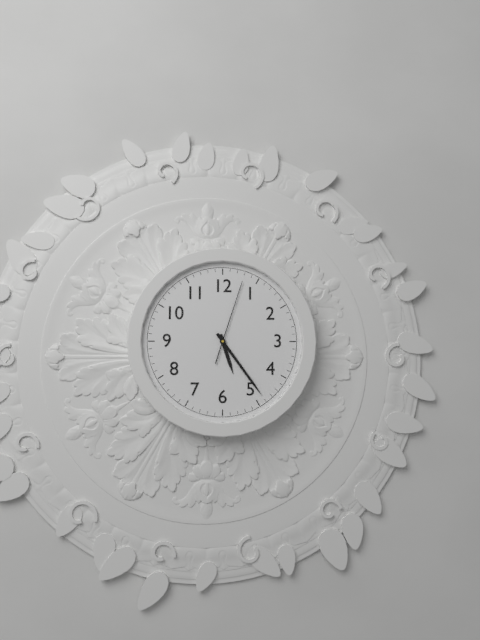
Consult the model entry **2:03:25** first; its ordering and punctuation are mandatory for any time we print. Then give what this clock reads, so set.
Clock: **5:24:03**
